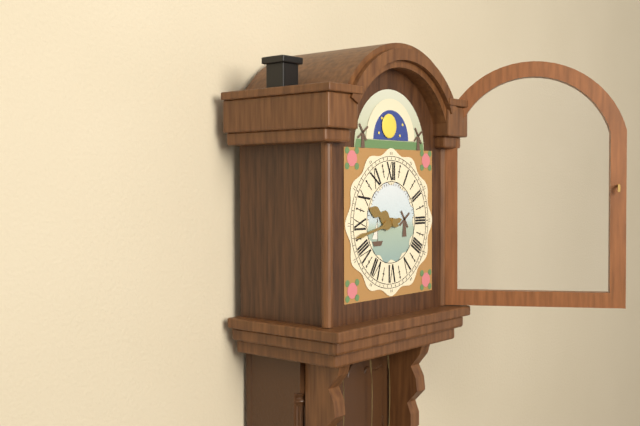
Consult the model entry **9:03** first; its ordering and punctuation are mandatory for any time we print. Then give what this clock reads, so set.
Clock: **9:43**
